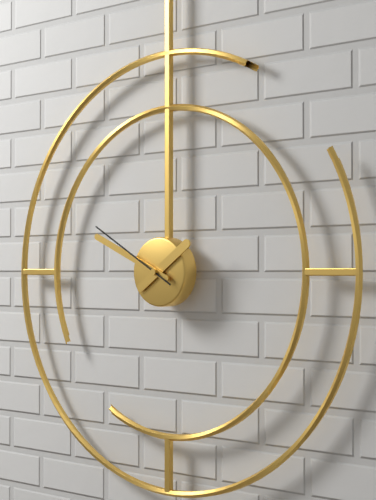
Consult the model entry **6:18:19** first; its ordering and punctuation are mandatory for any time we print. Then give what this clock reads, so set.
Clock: **1:49:50**
